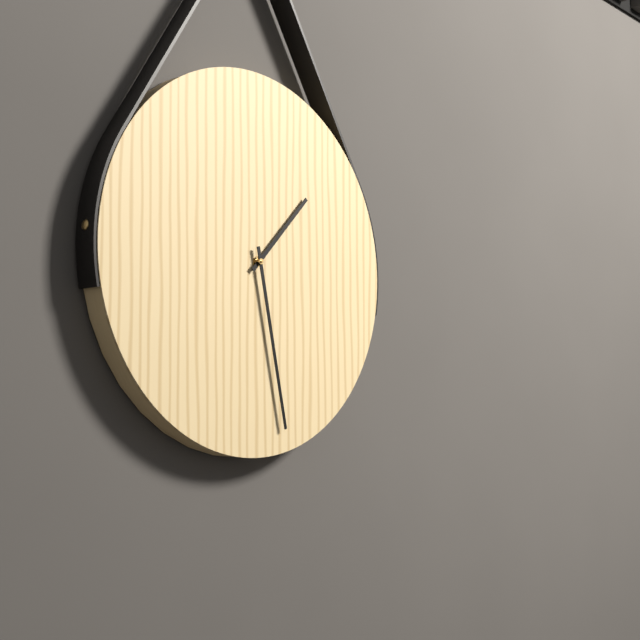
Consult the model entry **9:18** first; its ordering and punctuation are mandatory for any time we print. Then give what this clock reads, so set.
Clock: **1:28**
